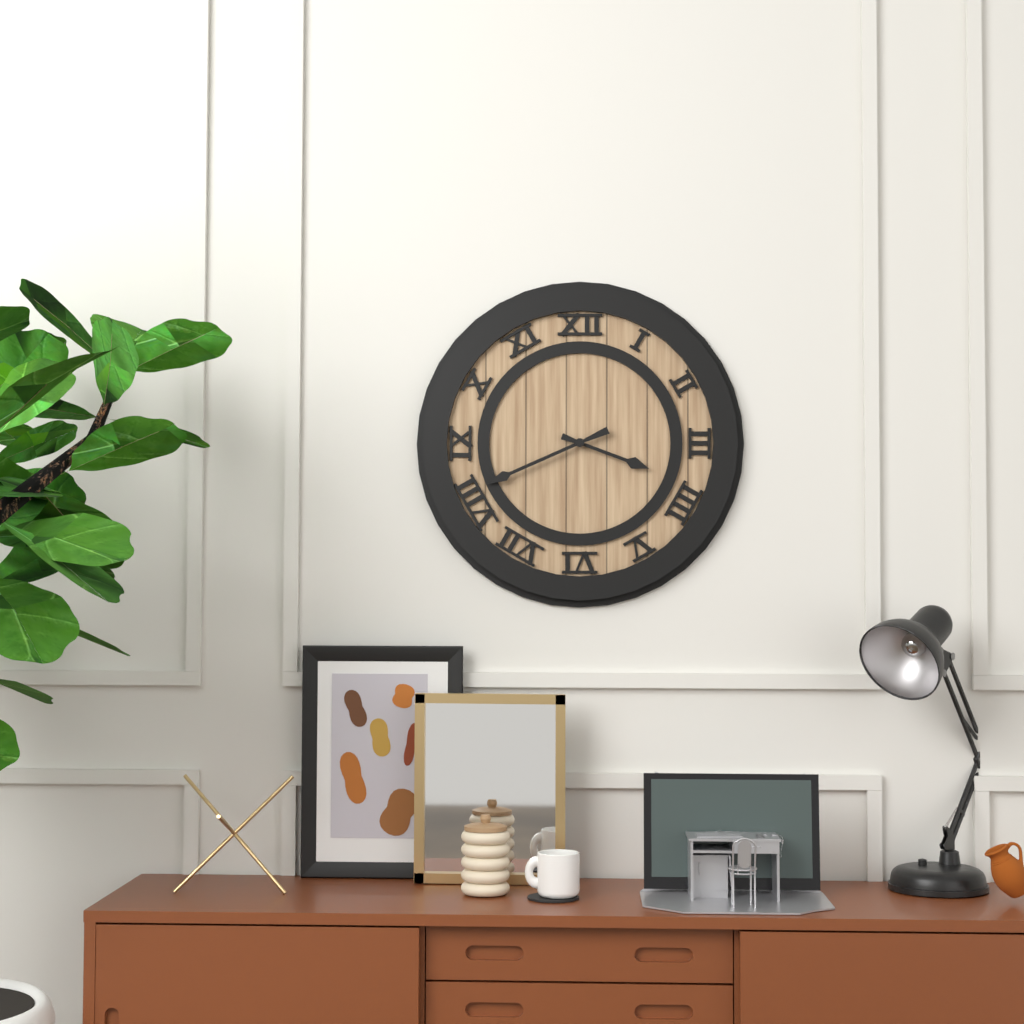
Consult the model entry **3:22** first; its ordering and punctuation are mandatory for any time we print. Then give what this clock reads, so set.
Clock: **3:41**
